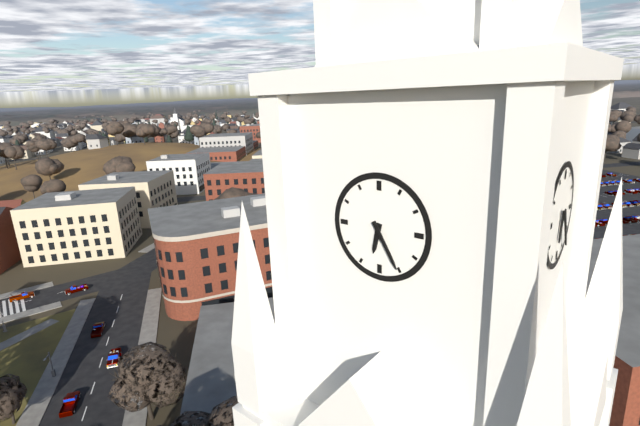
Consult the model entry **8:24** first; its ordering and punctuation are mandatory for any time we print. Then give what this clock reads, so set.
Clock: **6:25**
